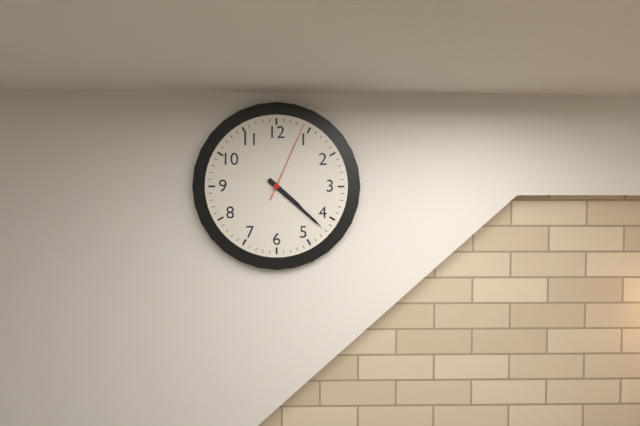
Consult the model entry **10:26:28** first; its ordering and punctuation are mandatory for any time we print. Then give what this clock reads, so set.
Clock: **4:22:04**
